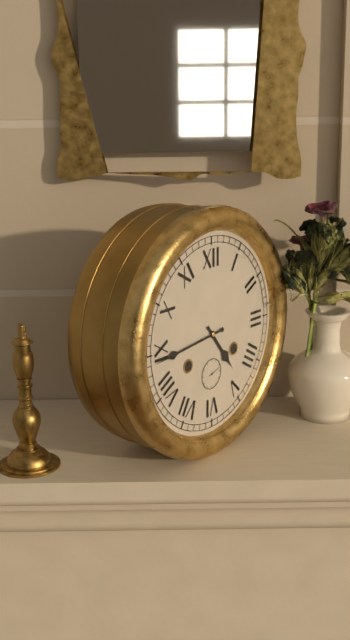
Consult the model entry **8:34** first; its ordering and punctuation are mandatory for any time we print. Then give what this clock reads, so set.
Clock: **4:44**
